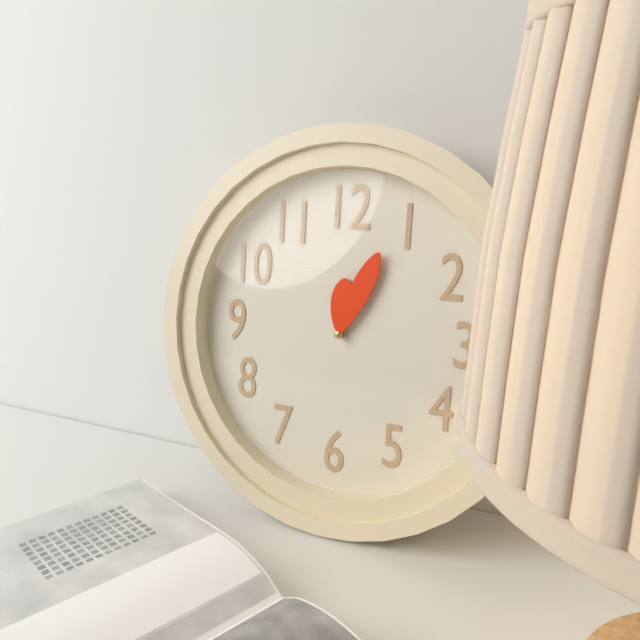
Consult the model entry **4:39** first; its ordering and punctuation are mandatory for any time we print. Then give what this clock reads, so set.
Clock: **12:04**
